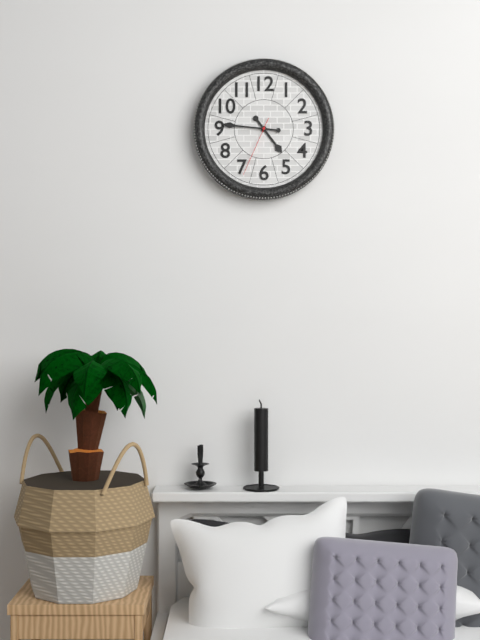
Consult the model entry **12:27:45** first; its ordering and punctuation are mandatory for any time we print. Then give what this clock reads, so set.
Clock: **4:46:34**
